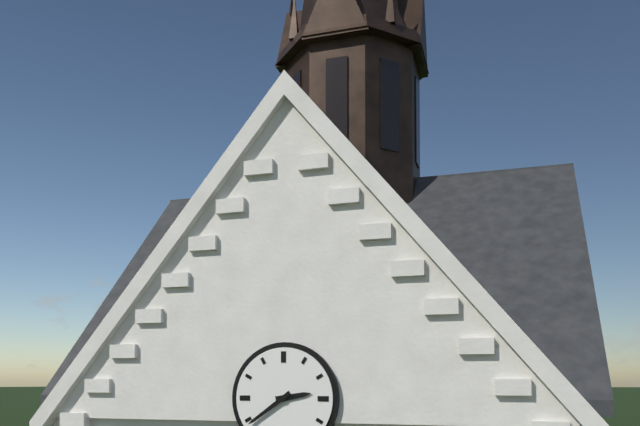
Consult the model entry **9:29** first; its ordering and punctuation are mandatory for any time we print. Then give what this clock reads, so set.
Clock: **2:39**
